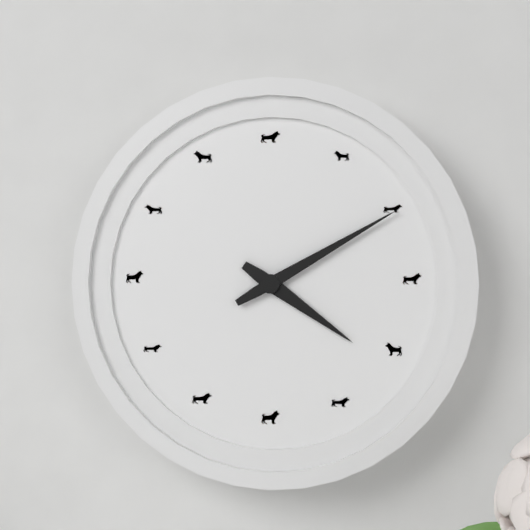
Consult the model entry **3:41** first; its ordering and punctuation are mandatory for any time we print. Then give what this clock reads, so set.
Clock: **4:10**
